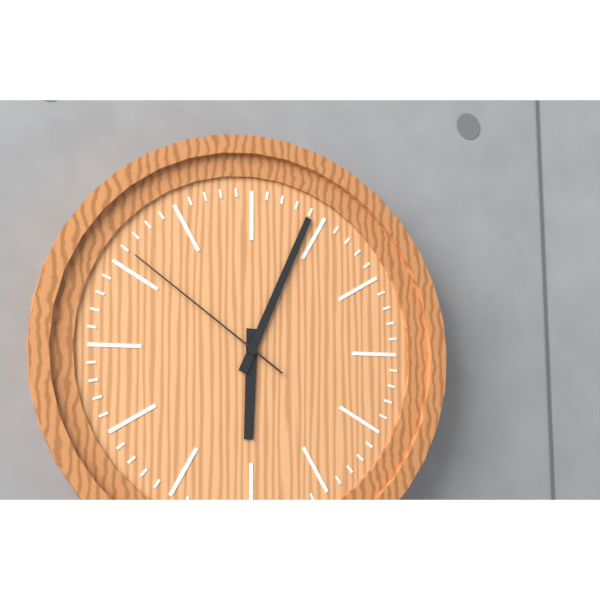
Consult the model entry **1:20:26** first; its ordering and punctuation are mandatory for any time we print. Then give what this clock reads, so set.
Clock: **6:04:51**
